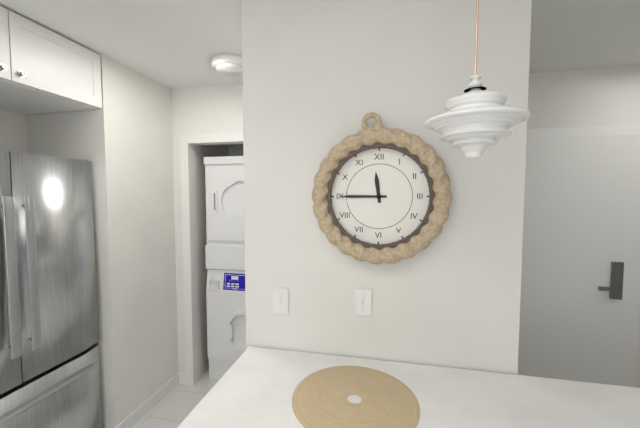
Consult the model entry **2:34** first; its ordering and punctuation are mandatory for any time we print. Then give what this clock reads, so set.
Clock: **11:45**
